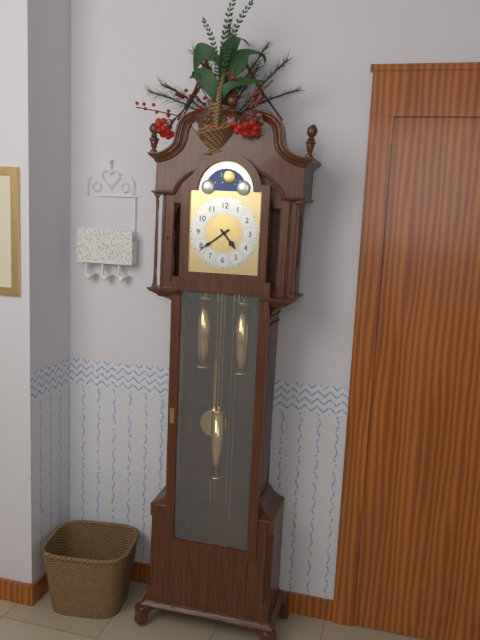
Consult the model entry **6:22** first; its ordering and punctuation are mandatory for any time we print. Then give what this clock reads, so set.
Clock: **4:39**
